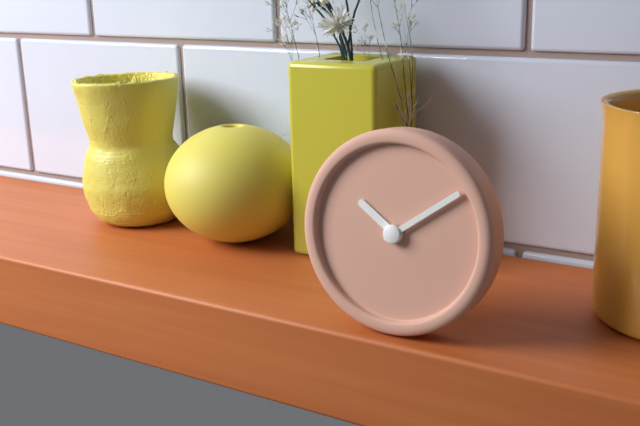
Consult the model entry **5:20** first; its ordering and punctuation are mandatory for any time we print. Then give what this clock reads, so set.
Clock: **10:09**
